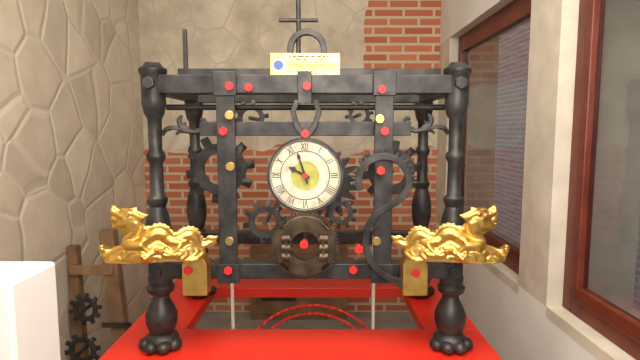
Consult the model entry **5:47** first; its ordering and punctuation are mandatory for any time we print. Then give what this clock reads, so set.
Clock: **9:57**
